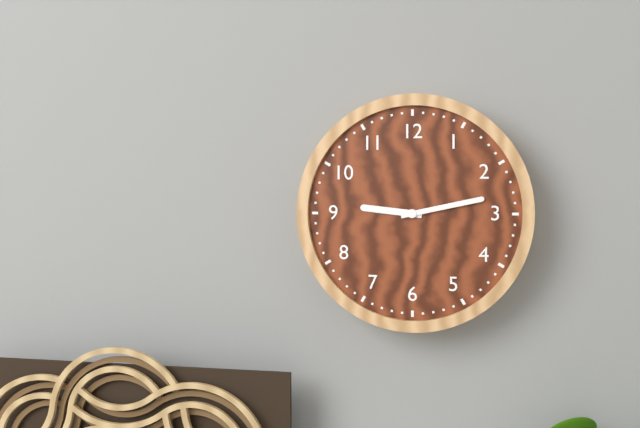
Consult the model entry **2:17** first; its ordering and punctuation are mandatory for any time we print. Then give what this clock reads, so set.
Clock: **9:13**
